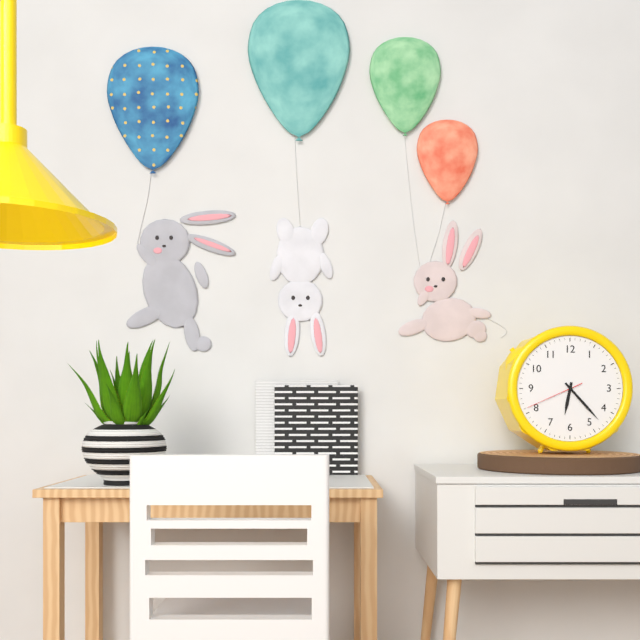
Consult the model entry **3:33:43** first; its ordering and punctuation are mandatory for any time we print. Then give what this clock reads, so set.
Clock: **6:23:41**
